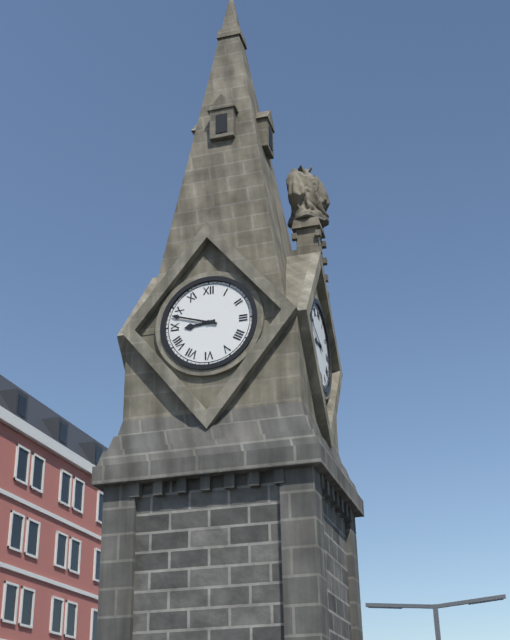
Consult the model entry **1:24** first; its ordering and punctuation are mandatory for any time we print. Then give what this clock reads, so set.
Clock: **8:48**
